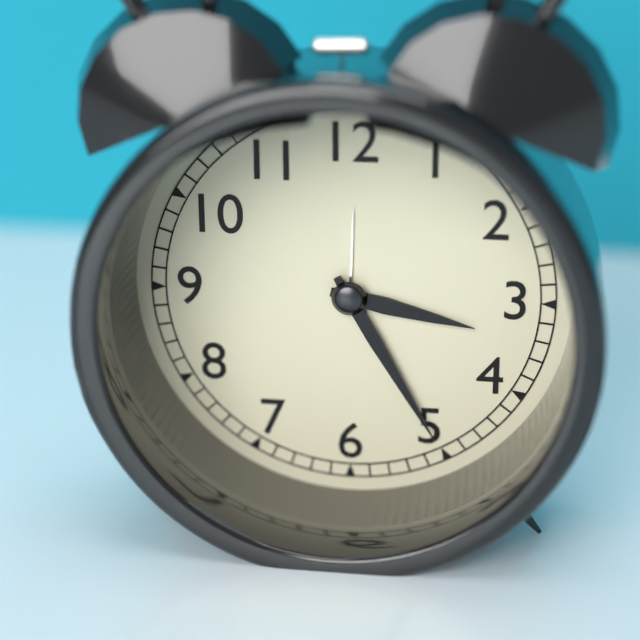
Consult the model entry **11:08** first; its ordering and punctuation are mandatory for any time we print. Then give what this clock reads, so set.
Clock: **3:25**
